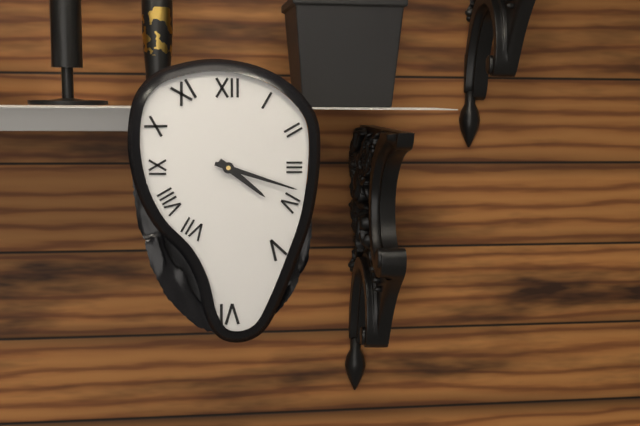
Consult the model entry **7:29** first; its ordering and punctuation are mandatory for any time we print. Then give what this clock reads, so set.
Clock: **4:18**
